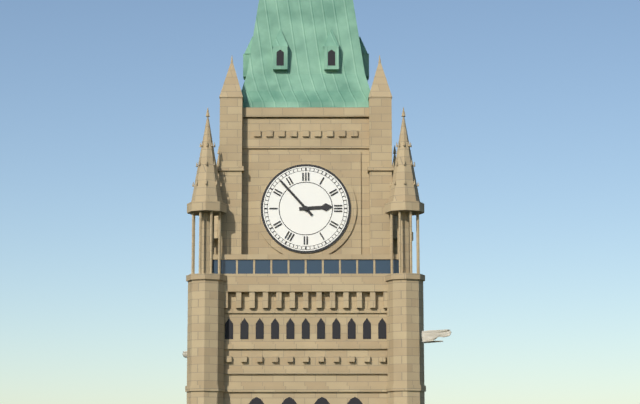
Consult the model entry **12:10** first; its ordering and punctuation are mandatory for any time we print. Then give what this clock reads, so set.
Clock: **2:53**
